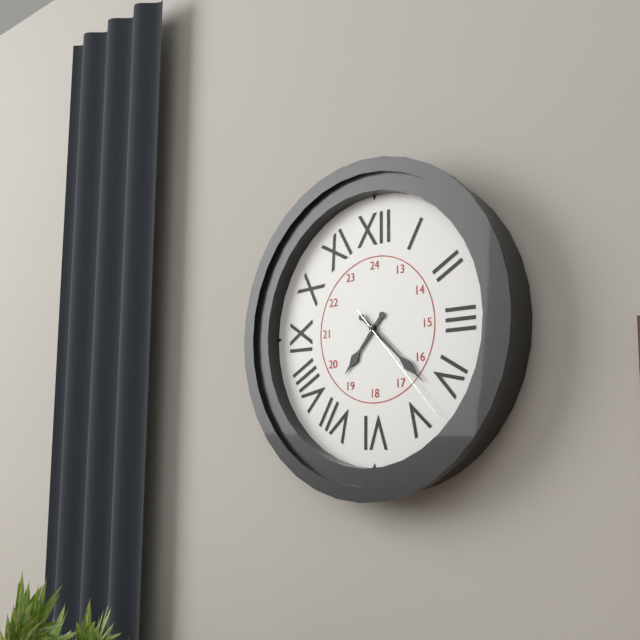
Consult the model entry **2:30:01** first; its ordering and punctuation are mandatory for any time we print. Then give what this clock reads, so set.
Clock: **7:22:23**
